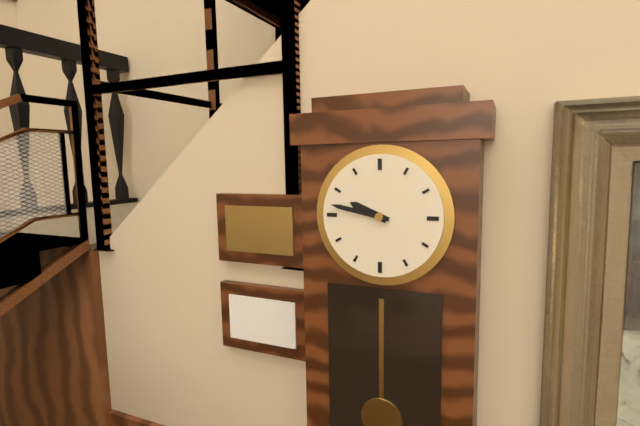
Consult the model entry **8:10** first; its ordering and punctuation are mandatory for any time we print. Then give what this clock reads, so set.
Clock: **9:47**
